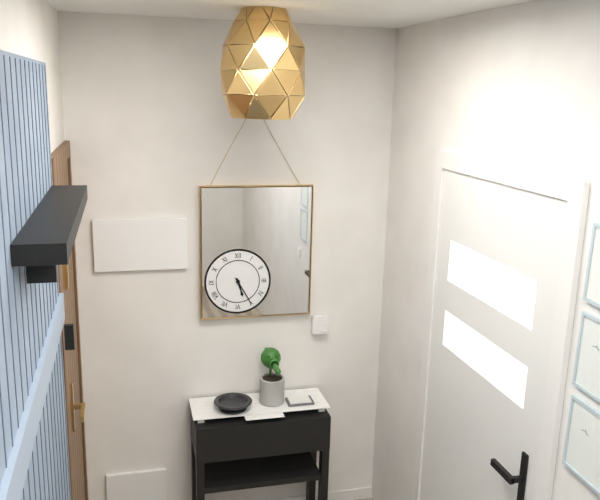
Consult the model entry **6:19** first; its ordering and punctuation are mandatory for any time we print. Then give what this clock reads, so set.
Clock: **5:25**
